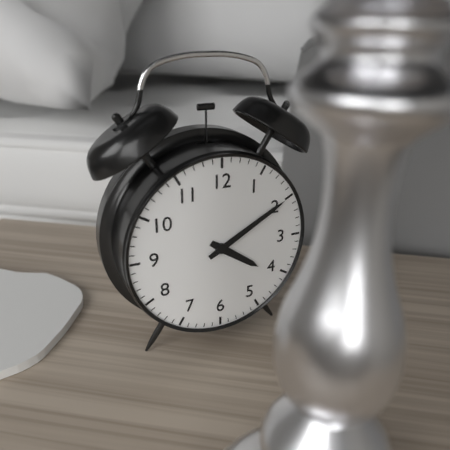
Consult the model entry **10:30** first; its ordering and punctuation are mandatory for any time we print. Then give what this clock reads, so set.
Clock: **4:10**
